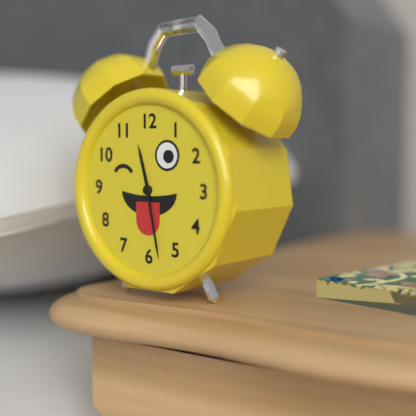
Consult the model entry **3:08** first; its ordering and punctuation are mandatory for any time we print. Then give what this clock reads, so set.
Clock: **11:28**
